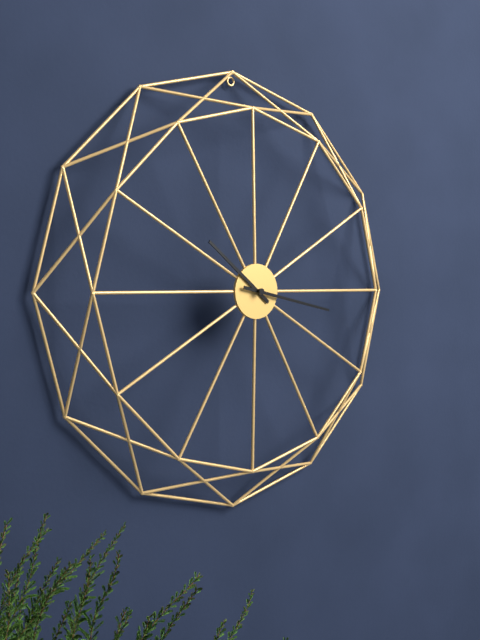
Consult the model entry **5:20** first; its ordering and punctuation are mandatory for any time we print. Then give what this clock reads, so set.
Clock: **10:17**
